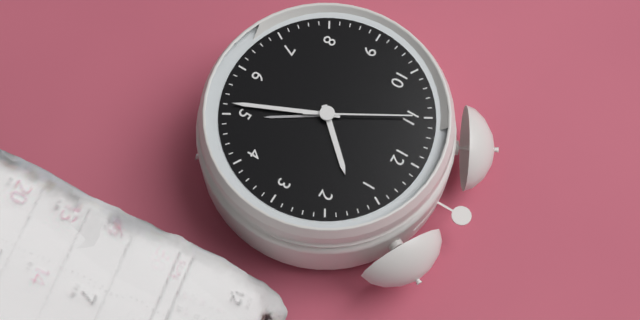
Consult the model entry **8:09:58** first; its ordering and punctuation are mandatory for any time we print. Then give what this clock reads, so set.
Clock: **1:26:55**
